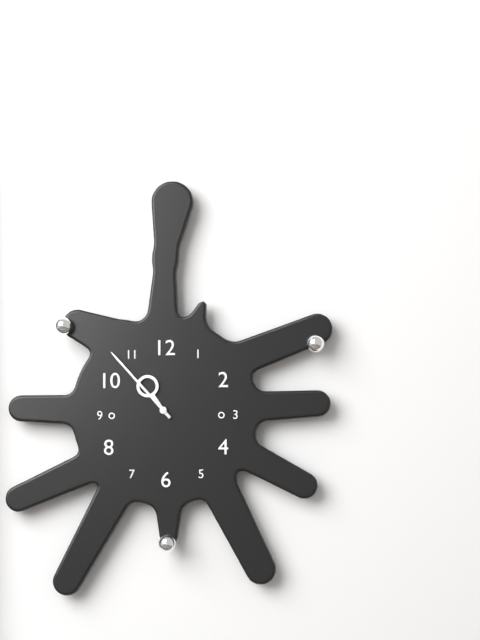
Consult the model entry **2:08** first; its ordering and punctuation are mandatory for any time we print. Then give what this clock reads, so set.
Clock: **10:53**
